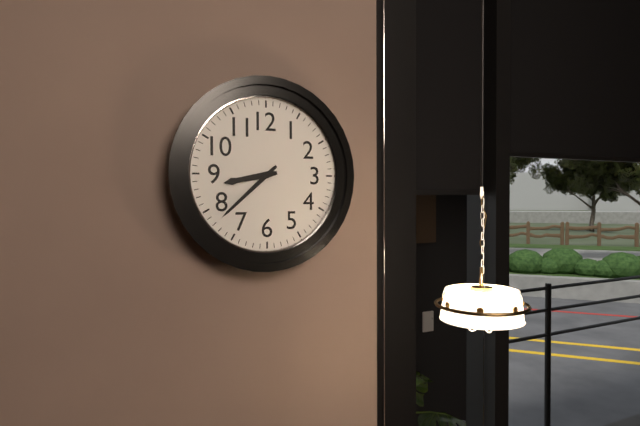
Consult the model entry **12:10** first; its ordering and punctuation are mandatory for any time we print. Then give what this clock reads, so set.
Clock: **8:38**
